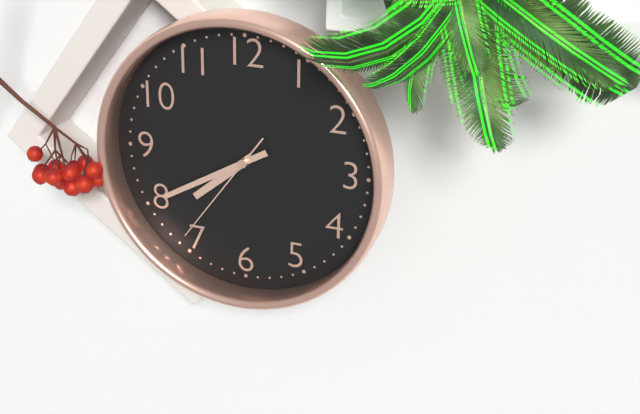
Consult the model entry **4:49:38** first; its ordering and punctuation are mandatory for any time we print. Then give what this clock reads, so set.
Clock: **7:40:36**
